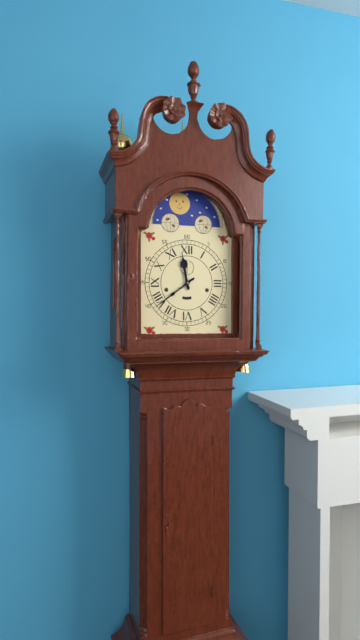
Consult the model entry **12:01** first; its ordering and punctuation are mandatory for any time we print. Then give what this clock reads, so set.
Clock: **11:39**
